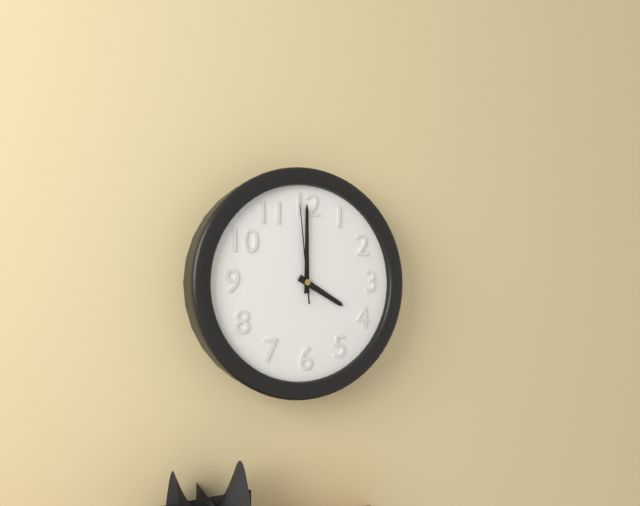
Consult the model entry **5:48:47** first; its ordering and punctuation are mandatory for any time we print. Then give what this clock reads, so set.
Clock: **4:00:59**
